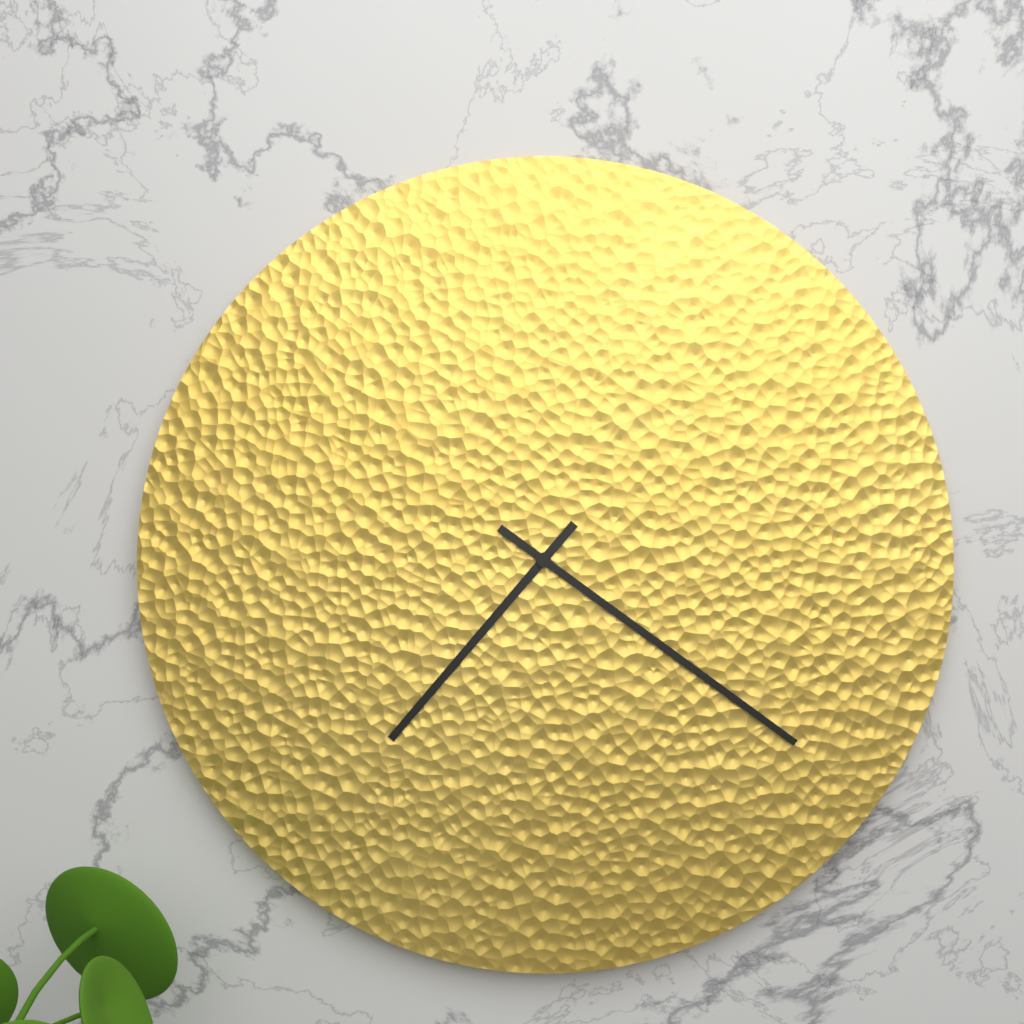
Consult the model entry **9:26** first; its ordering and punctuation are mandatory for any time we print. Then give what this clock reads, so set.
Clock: **7:21**
